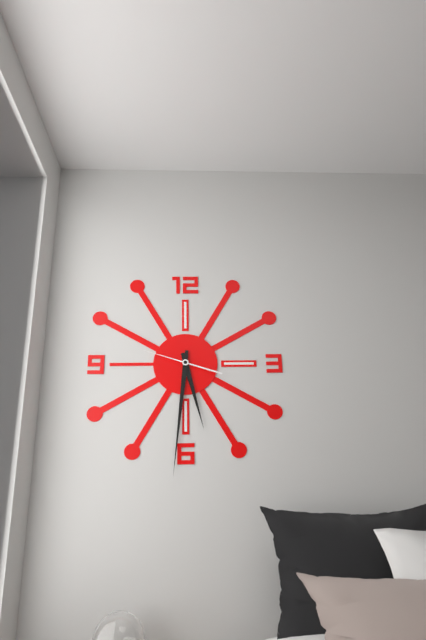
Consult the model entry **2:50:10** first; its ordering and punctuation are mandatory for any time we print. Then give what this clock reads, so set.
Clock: **5:31:48**
